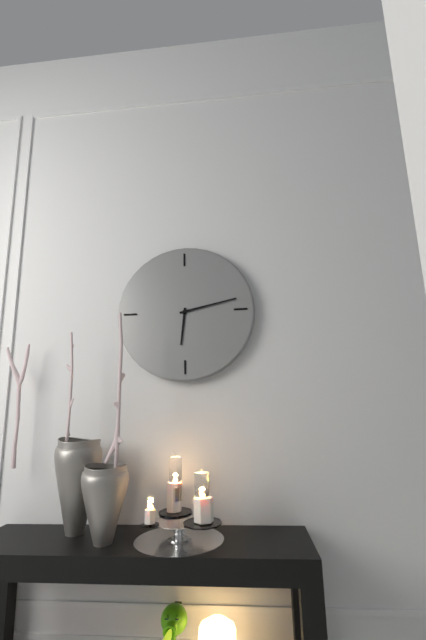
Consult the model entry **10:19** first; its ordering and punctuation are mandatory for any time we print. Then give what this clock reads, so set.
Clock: **6:13**
